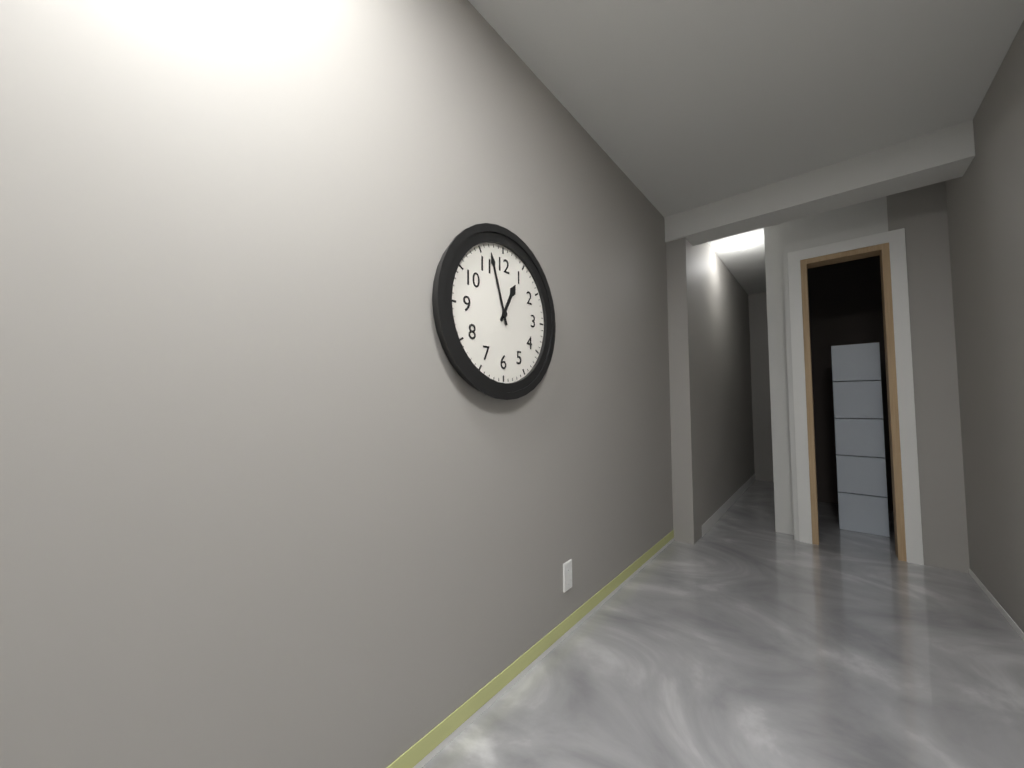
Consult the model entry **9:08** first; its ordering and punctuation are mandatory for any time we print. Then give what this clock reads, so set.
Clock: **12:57**
